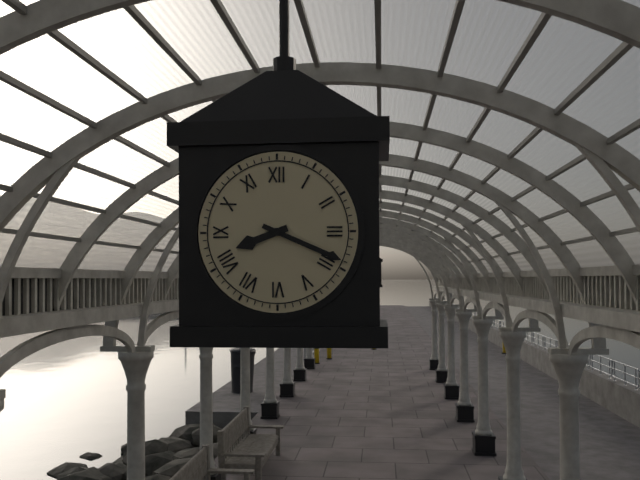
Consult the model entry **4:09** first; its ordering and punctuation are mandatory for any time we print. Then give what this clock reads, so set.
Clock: **8:19**
